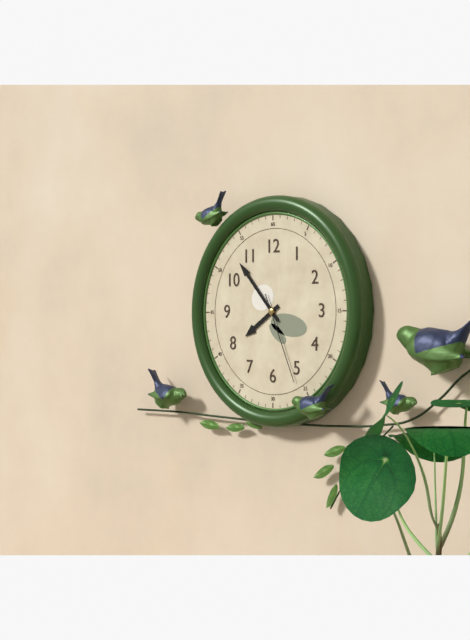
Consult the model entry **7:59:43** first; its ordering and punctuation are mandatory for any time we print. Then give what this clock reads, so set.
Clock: **7:53:26**
